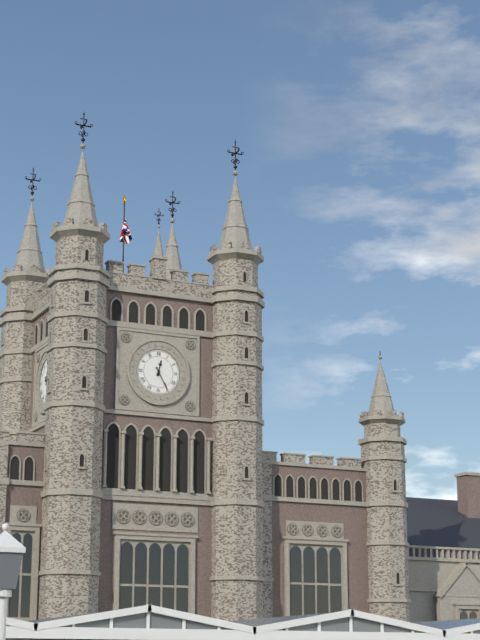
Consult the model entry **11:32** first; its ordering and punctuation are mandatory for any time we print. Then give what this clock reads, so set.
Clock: **12:25**
